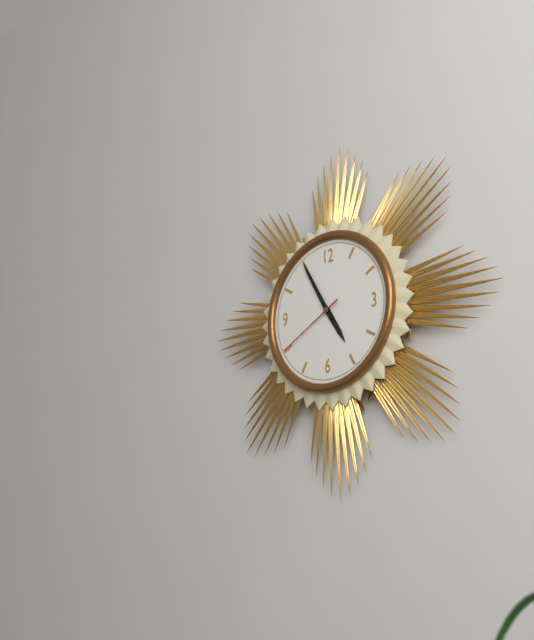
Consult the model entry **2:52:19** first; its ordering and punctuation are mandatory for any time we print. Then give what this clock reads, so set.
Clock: **4:55:40**
